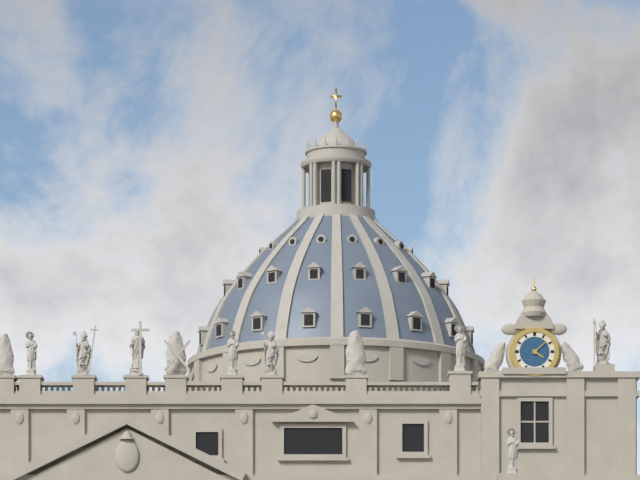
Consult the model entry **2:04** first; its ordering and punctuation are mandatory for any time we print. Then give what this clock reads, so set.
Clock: **4:08**
